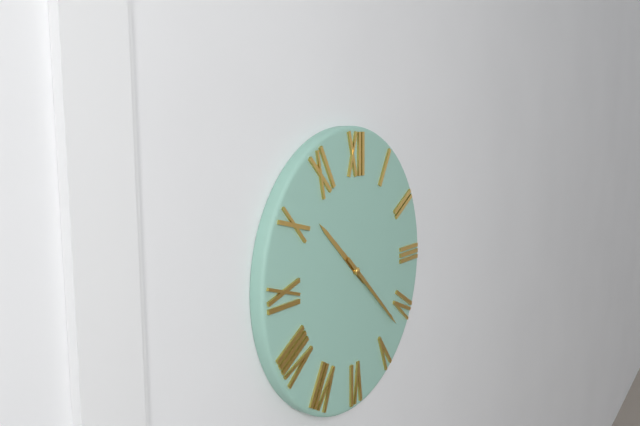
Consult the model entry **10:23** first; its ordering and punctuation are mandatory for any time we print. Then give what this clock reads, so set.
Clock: **10:22**
